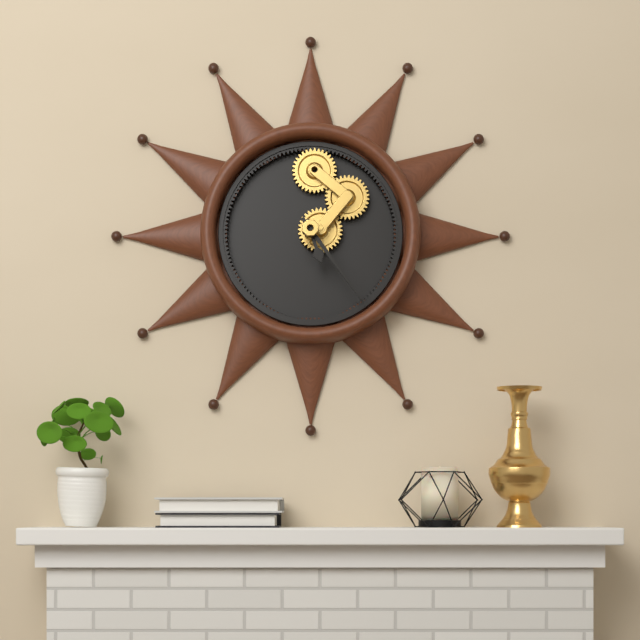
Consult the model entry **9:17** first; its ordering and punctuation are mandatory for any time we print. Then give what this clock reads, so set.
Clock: **5:24**
